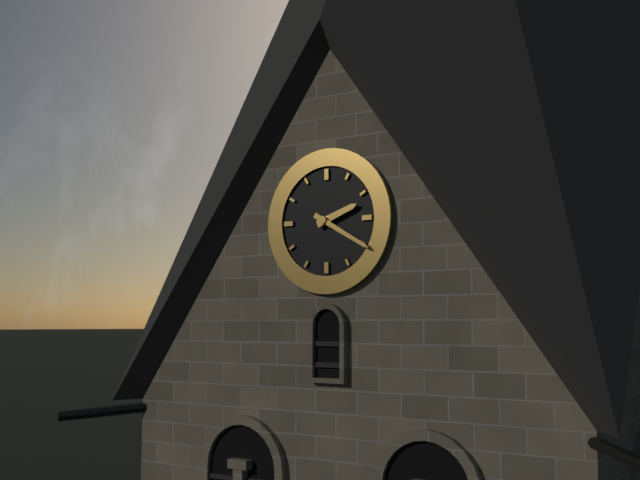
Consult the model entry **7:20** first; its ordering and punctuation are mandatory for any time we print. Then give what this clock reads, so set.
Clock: **2:20**
